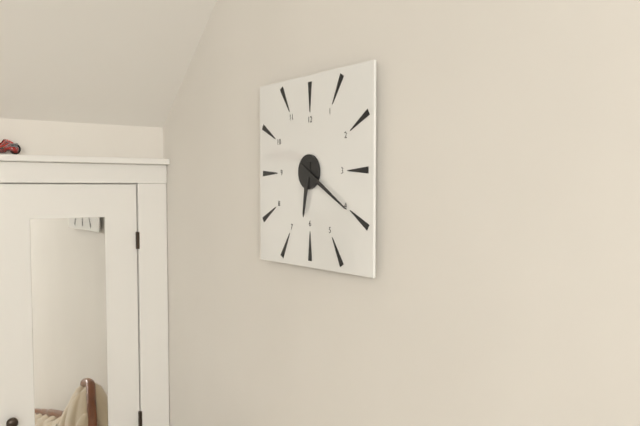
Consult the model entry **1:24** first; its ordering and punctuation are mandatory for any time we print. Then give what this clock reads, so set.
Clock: **6:20**
